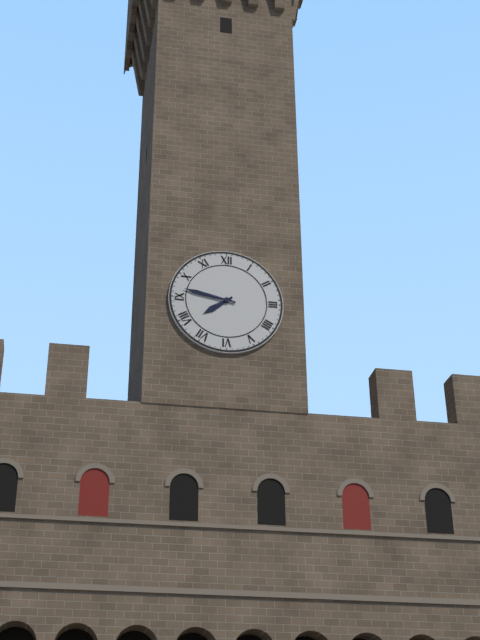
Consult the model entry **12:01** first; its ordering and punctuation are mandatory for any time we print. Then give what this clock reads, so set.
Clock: **7:47**
